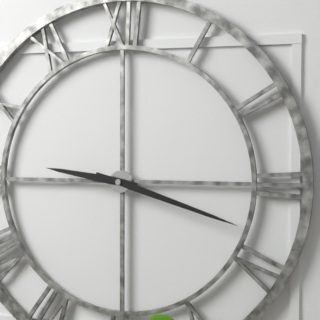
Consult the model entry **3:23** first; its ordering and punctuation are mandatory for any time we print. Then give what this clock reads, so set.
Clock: **9:18**
